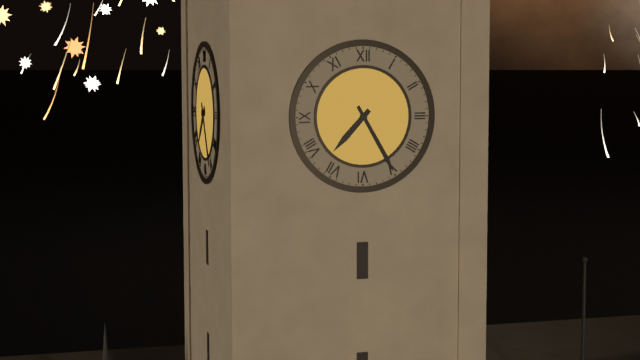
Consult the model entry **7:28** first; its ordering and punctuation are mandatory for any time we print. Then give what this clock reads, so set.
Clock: **7:25**
